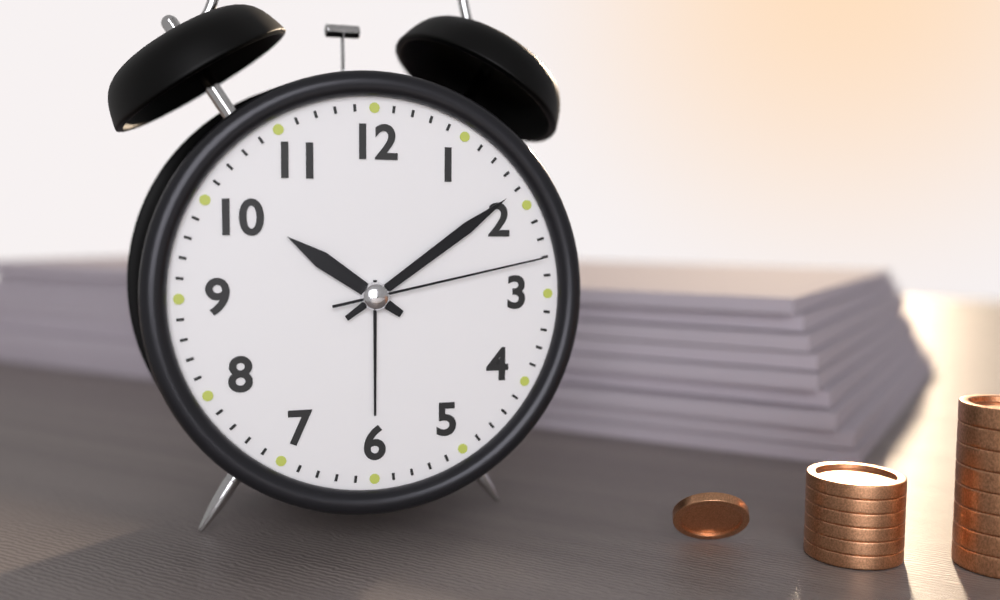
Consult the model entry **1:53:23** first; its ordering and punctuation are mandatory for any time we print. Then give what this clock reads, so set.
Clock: **10:09:13**
